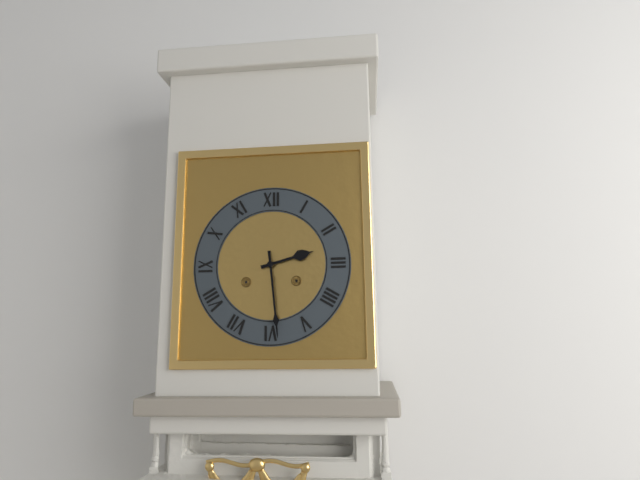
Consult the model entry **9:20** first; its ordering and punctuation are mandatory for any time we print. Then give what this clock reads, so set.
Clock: **2:29**
